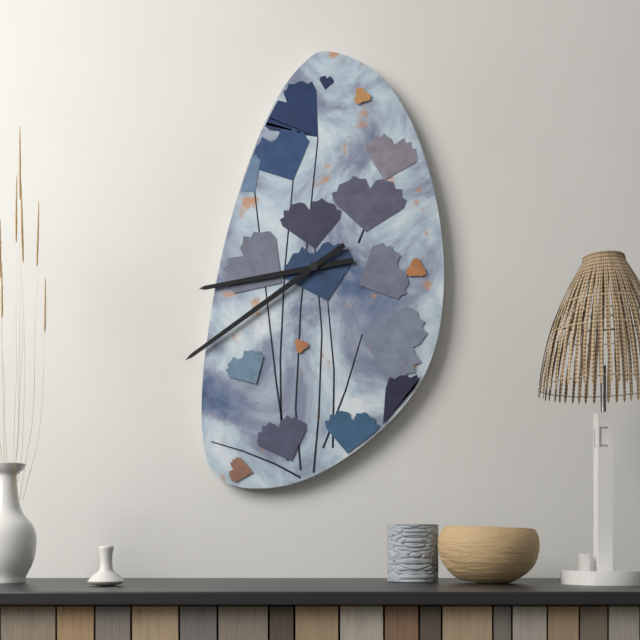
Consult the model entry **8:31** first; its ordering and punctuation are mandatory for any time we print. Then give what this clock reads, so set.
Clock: **8:39**
